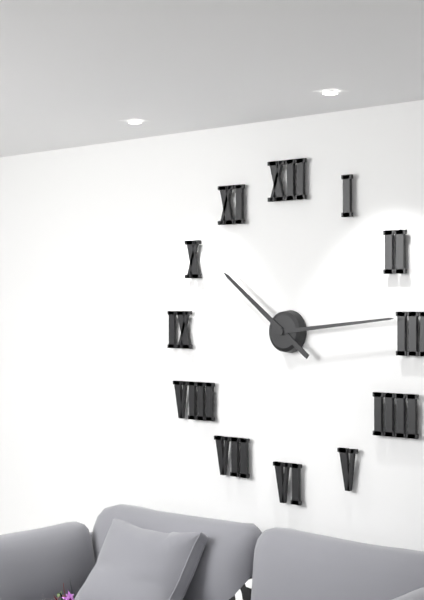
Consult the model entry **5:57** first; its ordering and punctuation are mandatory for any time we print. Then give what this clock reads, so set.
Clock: **10:14**
